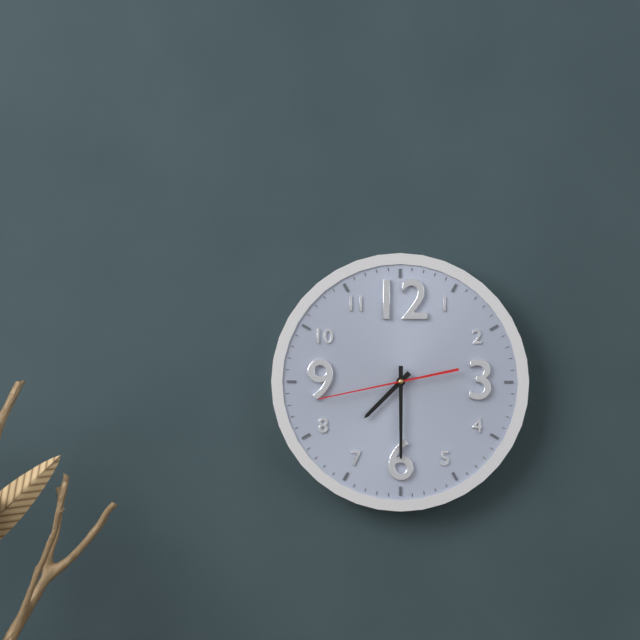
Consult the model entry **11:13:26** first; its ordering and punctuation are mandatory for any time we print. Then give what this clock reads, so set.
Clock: **7:30:43**
